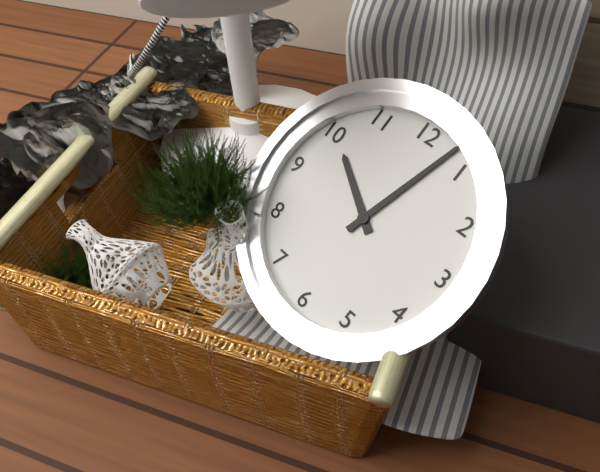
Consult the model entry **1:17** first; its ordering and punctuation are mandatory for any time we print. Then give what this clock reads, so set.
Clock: **10:03**
